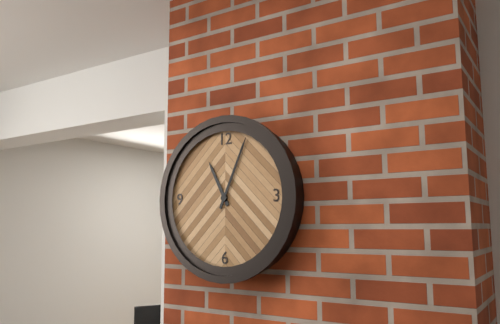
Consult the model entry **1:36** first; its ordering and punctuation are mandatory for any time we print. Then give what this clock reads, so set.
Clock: **11:04**
